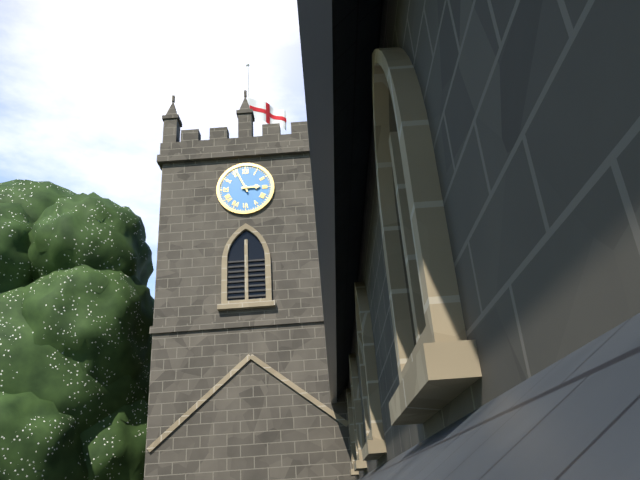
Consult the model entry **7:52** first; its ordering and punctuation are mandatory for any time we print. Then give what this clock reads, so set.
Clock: **2:56**
